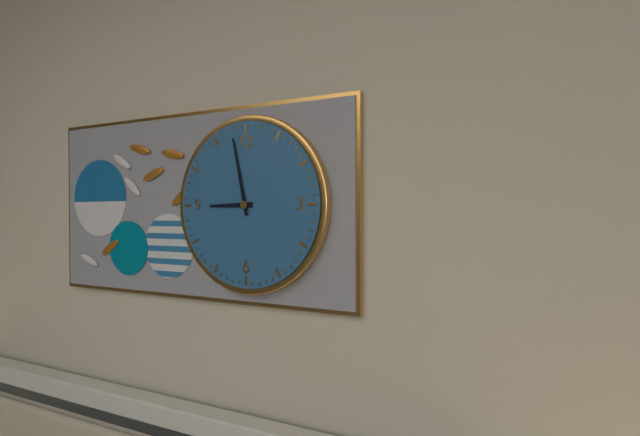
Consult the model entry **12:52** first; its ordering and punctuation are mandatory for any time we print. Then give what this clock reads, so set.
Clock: **8:58**
